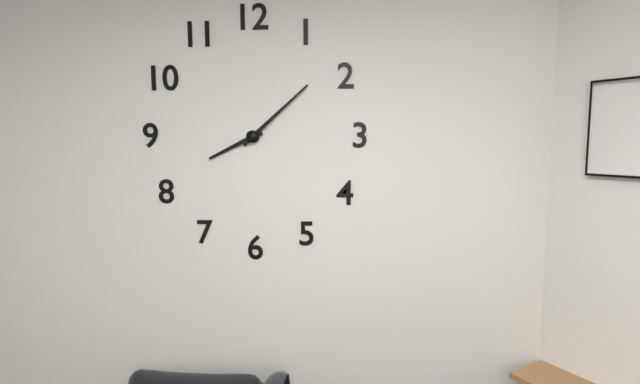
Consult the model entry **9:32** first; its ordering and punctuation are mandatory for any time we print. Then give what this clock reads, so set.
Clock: **8:08**
